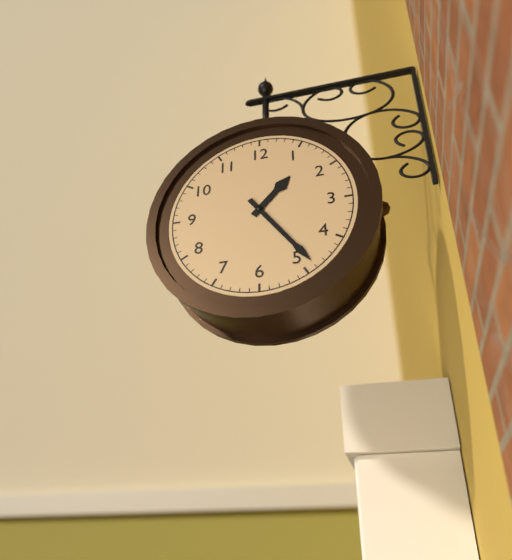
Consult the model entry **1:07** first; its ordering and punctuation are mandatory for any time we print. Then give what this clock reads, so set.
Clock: **1:24**
